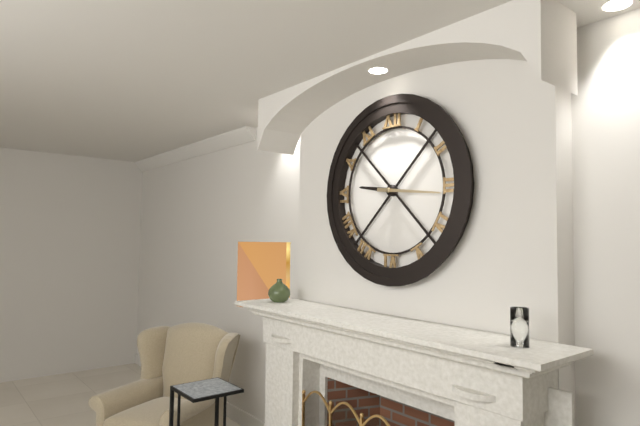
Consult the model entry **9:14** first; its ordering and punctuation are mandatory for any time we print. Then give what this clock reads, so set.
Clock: **9:16**
